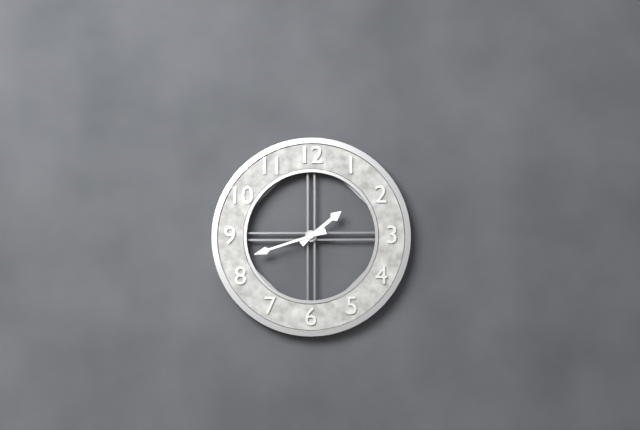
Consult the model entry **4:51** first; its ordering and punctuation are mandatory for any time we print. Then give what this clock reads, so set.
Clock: **1:42**
